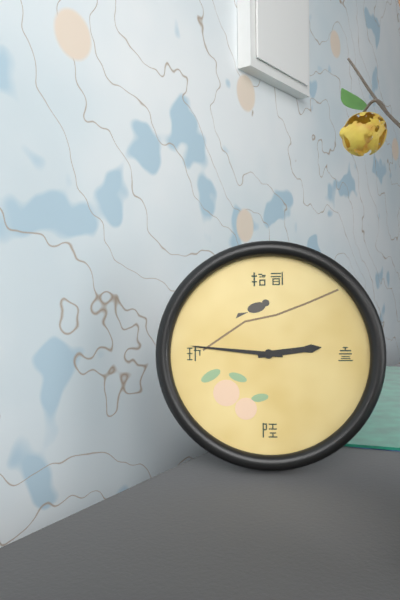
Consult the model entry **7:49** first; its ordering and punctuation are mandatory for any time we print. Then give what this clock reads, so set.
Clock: **2:46**
